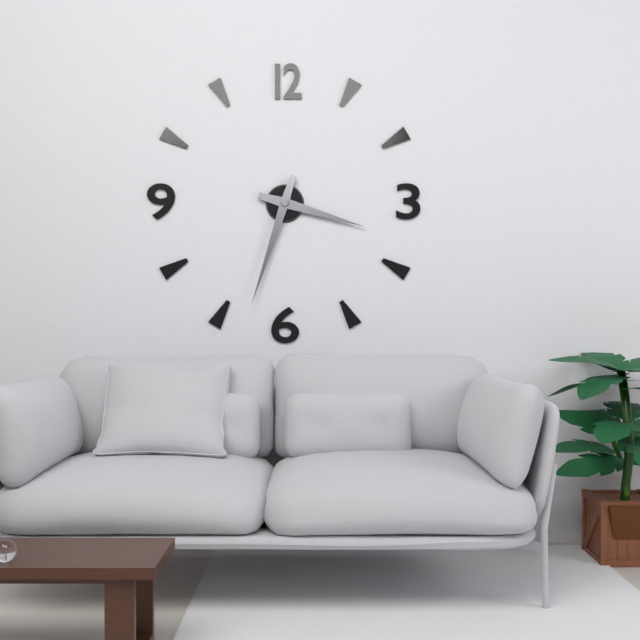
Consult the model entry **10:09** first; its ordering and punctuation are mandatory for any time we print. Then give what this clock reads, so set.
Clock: **3:33**
